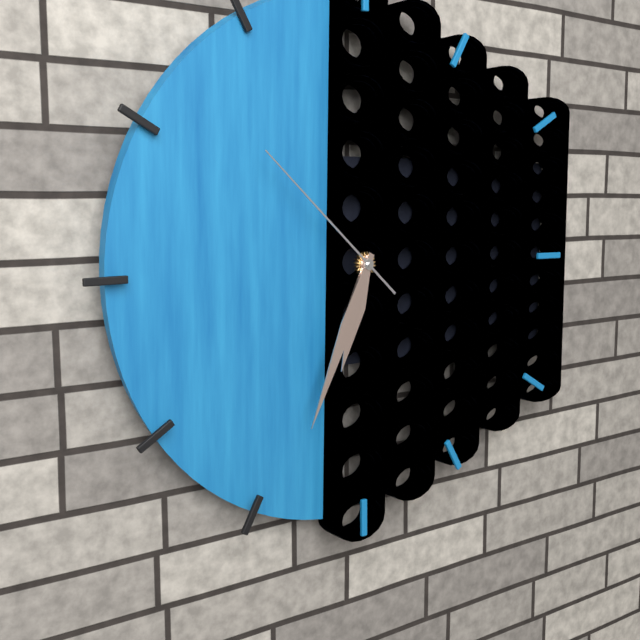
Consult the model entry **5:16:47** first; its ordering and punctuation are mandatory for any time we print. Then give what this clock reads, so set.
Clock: **6:34:52**
